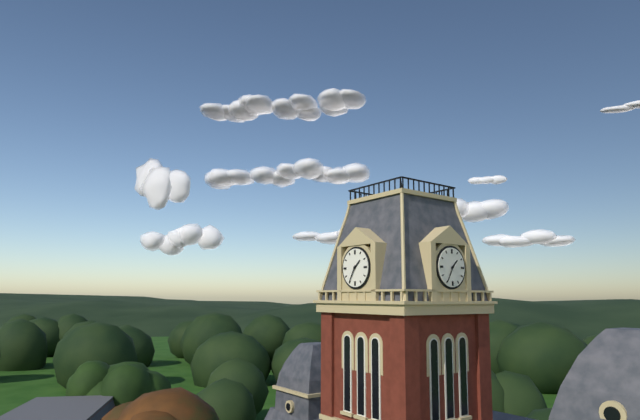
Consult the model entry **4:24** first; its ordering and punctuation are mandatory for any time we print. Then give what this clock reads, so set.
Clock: **1:35**
